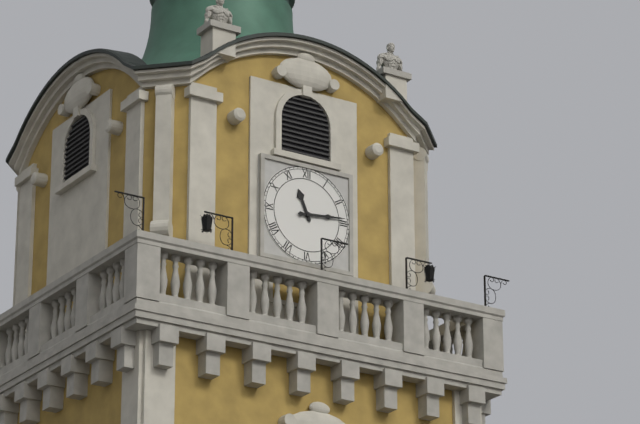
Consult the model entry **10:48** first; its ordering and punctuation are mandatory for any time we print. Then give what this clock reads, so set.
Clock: **11:14**
